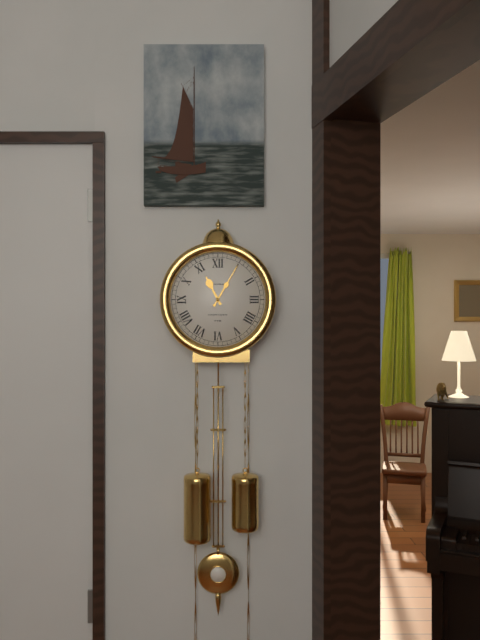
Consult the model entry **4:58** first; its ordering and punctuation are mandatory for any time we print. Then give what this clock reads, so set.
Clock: **11:05**
